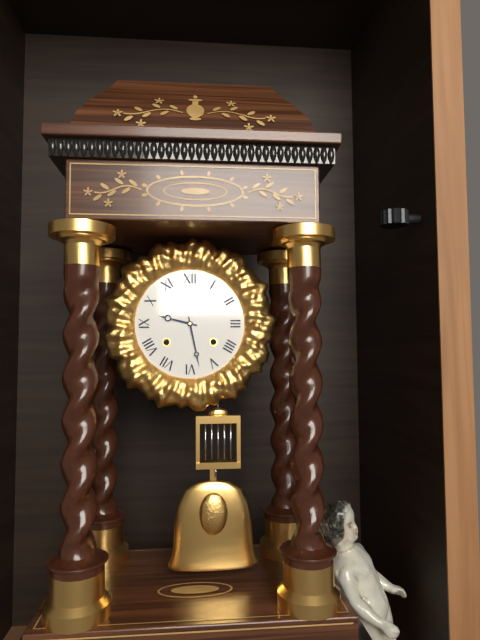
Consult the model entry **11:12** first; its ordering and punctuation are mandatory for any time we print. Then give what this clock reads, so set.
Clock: **9:28**
